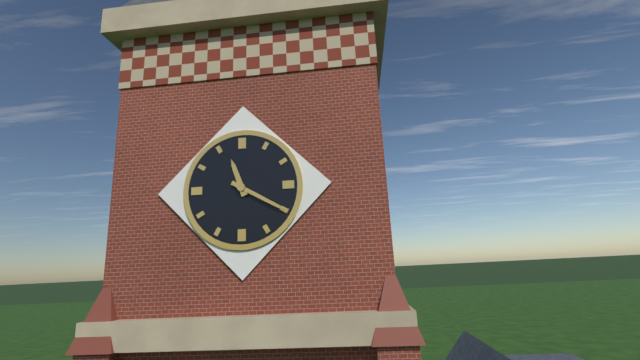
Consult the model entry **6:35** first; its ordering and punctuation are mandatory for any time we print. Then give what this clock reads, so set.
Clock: **11:20**
